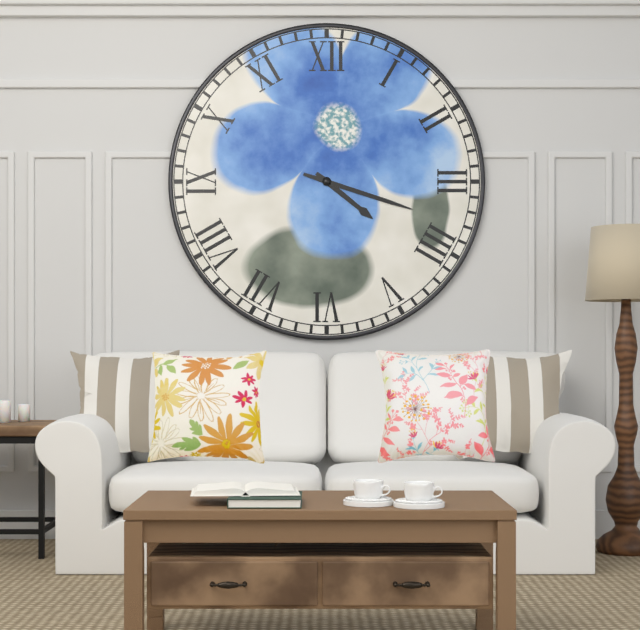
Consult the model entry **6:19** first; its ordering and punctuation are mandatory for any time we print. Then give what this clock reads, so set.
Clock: **4:18**
